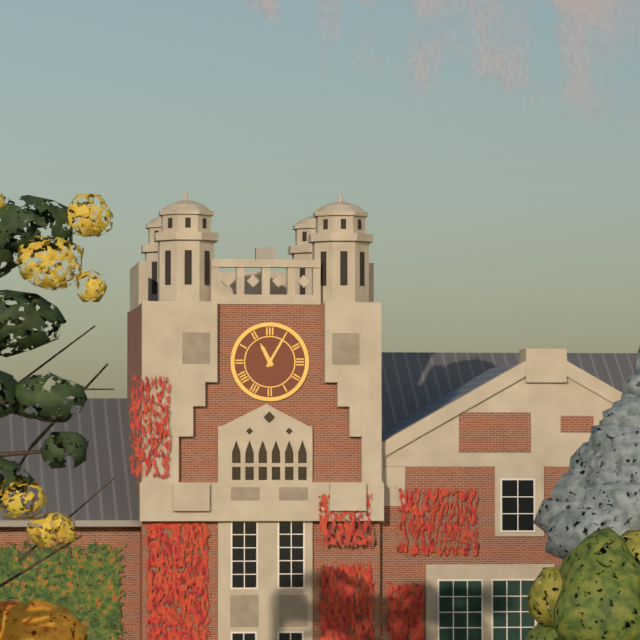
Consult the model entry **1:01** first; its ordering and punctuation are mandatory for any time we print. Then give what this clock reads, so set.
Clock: **11:05**
